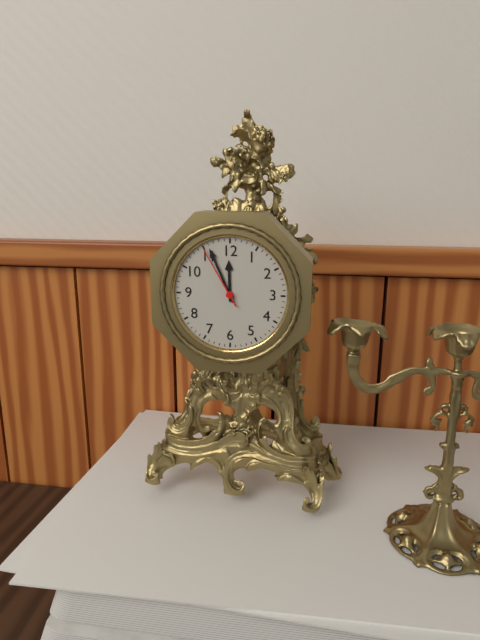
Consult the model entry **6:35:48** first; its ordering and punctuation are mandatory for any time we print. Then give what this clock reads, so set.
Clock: **11:56:55**
